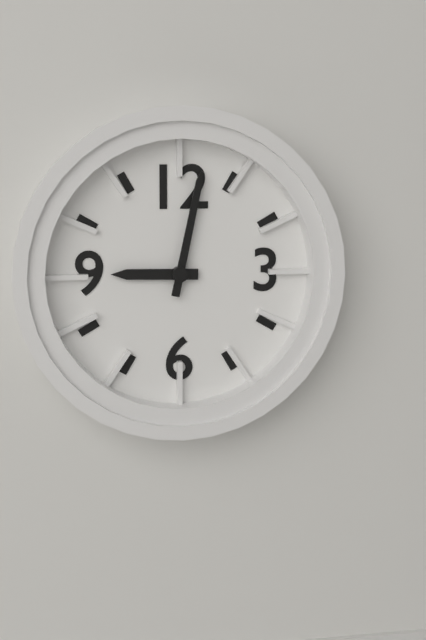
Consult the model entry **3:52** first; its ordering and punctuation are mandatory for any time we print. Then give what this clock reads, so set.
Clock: **9:02**
